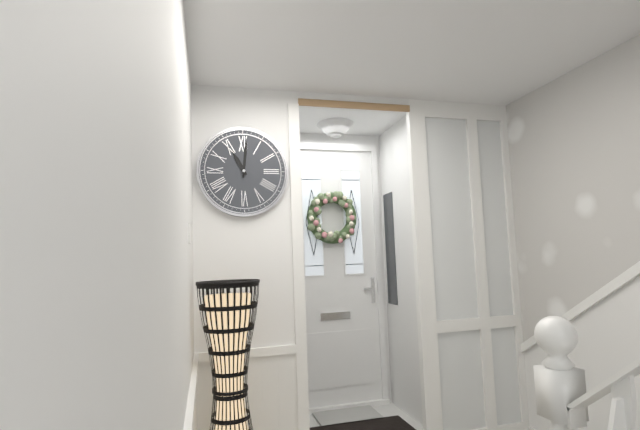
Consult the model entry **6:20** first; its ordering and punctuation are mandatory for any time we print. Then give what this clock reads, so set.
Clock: **11:01**
